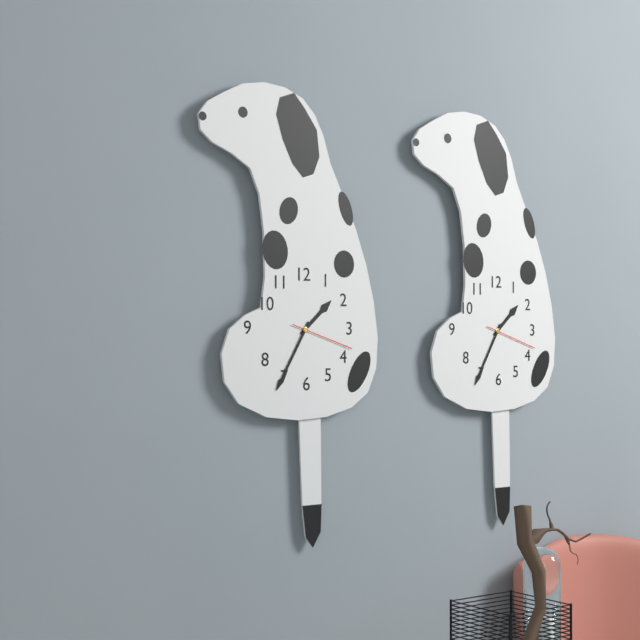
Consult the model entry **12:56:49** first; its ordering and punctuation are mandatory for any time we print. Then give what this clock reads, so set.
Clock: **1:35:18**
